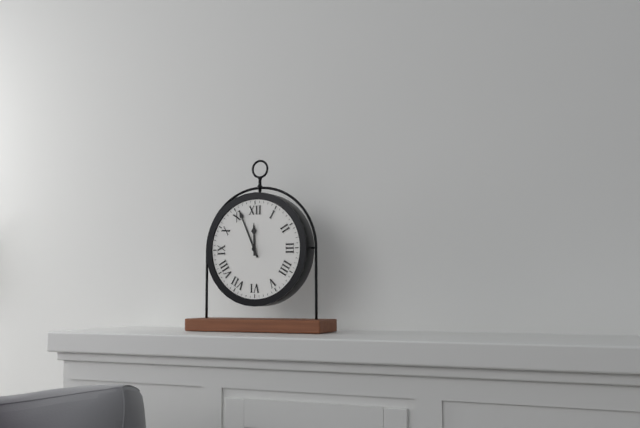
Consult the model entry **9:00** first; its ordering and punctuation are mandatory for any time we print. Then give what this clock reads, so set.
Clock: **11:56**
